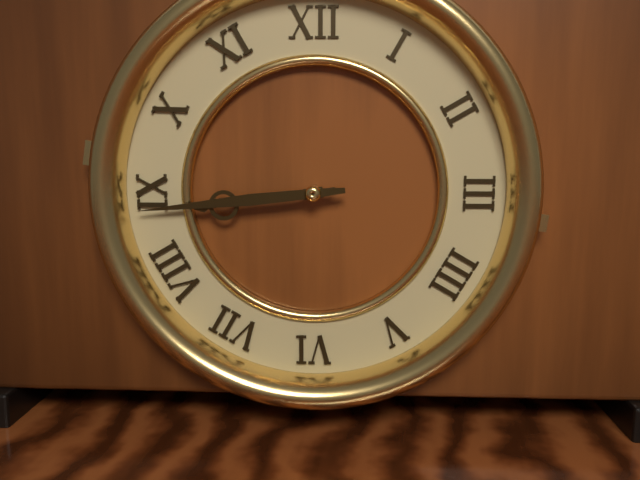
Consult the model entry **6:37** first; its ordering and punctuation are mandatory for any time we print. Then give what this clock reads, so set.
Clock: **8:44**
